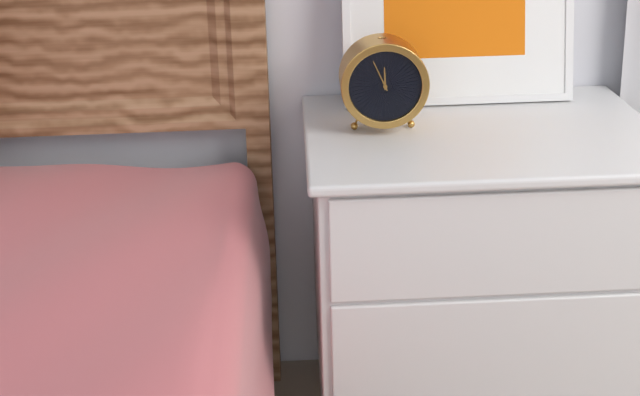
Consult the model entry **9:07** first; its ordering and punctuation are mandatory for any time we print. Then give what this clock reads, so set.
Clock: **11:56**
